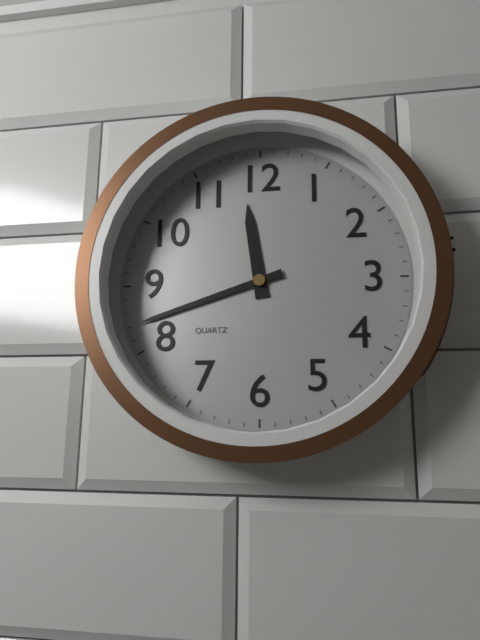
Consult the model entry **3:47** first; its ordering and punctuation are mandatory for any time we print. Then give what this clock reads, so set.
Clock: **11:42**
